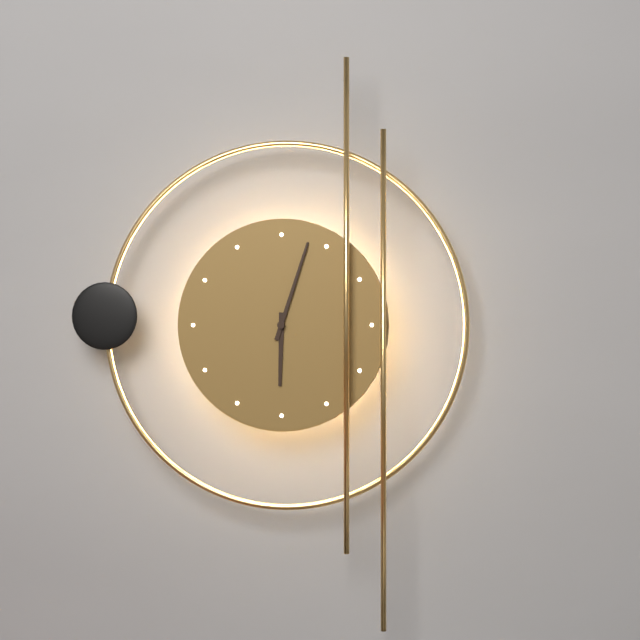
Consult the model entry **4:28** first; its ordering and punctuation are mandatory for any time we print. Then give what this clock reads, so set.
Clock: **6:03**
